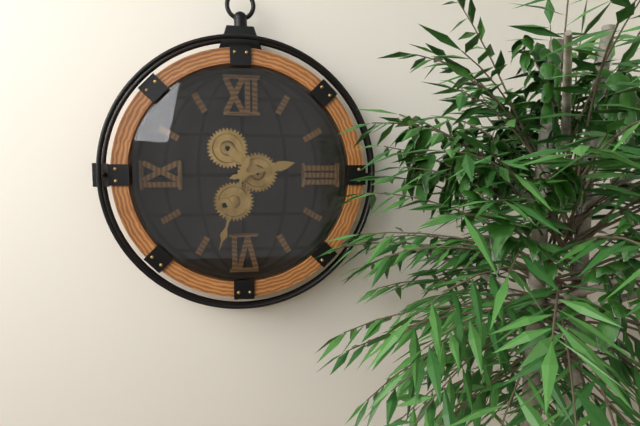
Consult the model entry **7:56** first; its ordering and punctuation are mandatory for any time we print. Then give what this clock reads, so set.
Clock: **2:33**
